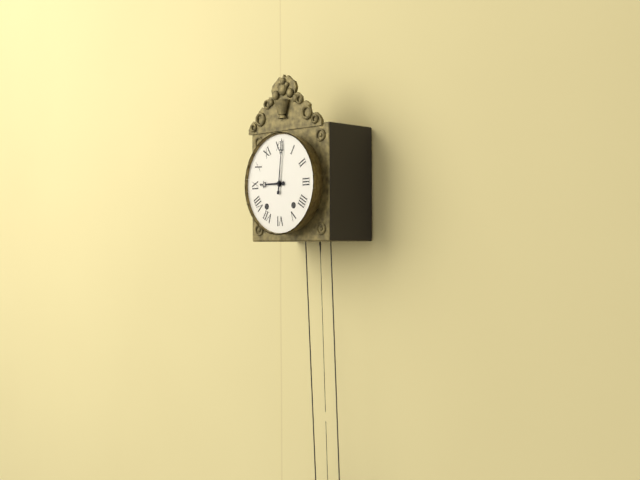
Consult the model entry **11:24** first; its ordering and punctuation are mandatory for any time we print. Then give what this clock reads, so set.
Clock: **9:01**
